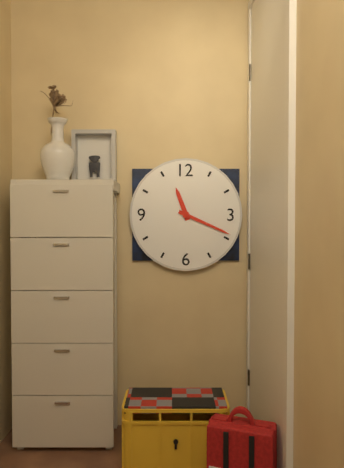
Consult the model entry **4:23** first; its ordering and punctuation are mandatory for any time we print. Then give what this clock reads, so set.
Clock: **11:19**
